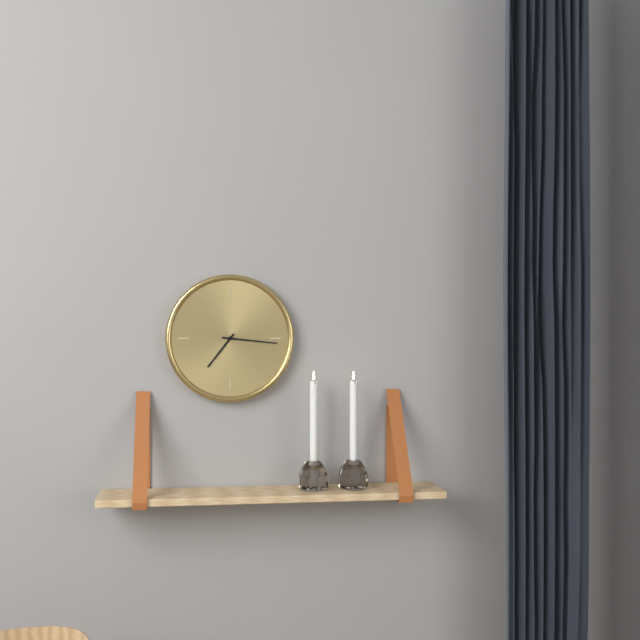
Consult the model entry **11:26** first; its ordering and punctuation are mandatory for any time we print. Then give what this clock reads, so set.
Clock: **7:16**
